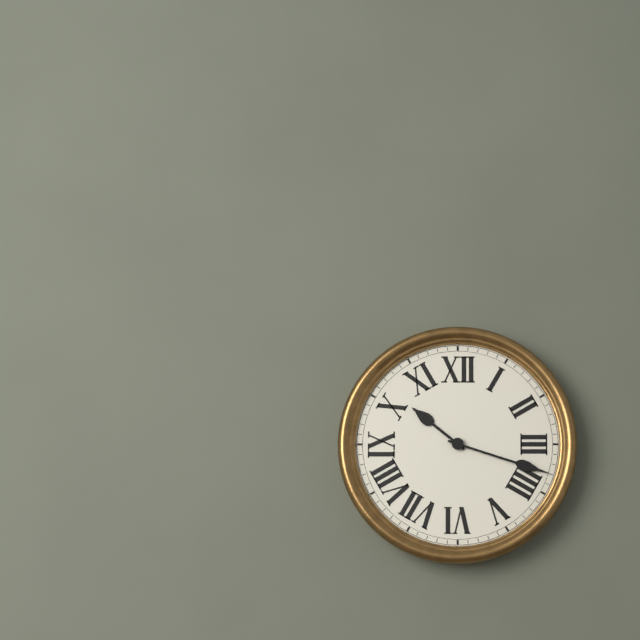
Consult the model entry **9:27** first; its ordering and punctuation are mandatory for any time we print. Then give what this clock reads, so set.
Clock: **10:18**
